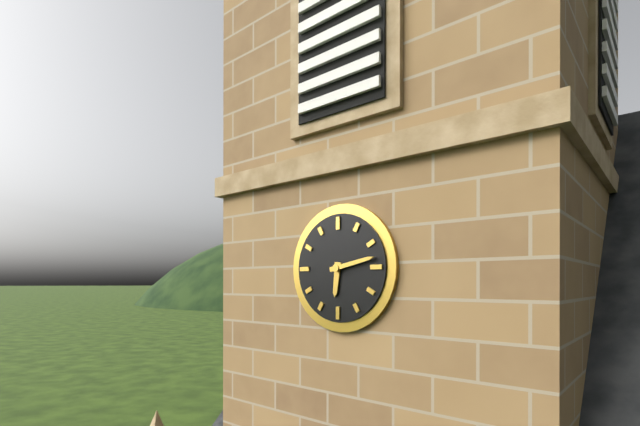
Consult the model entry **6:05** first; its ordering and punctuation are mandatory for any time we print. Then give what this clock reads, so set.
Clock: **6:13**
